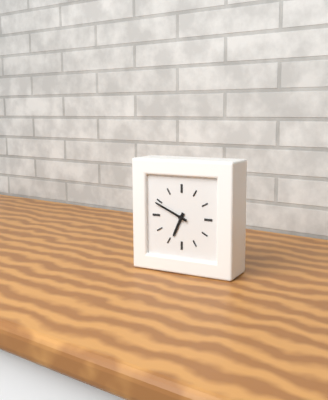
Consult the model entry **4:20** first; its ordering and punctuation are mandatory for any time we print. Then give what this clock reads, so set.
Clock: **6:49**
